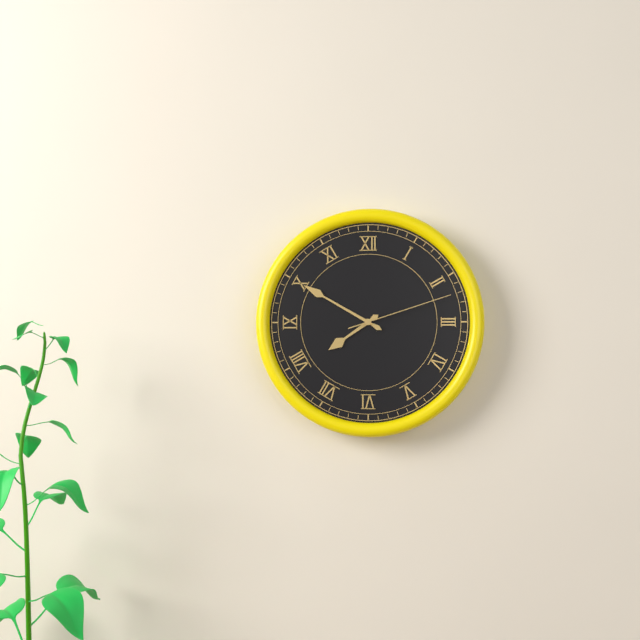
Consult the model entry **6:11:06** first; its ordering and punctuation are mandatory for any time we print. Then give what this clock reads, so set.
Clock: **7:50:12**
